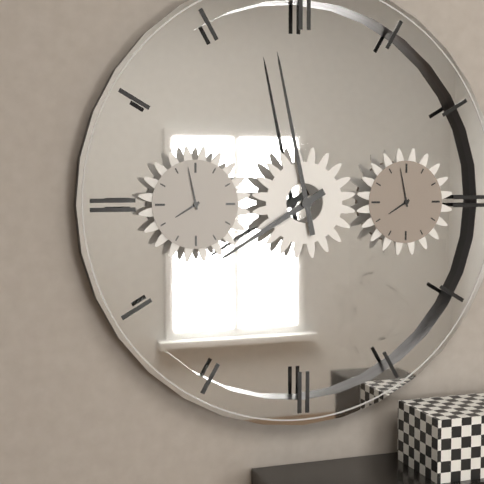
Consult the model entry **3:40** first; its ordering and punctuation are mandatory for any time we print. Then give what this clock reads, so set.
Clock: **7:58**
